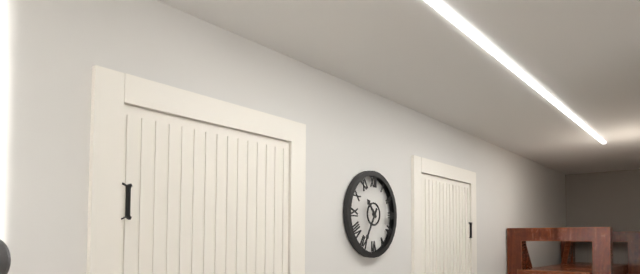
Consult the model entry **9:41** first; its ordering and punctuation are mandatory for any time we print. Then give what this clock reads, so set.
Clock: **10:35**
